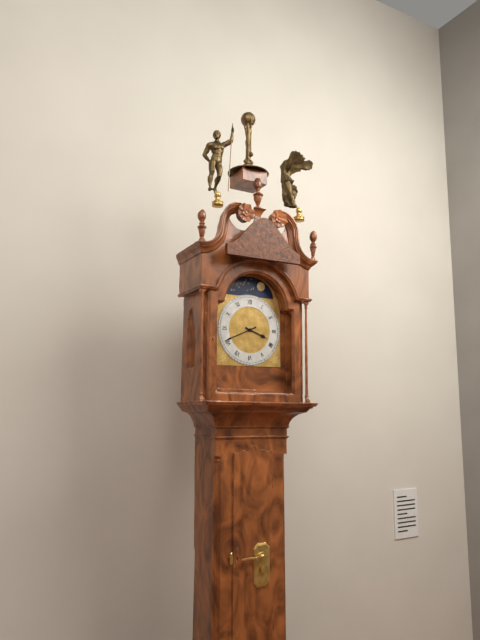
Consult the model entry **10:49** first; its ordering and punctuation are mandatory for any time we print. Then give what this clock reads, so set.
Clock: **3:41**
